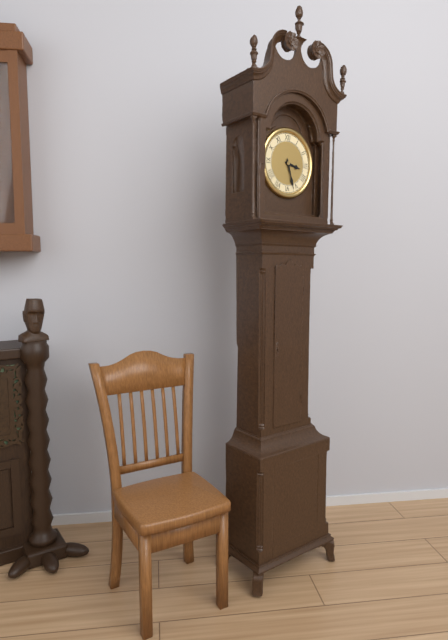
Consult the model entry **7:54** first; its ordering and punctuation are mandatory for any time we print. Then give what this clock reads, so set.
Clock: **3:27**
